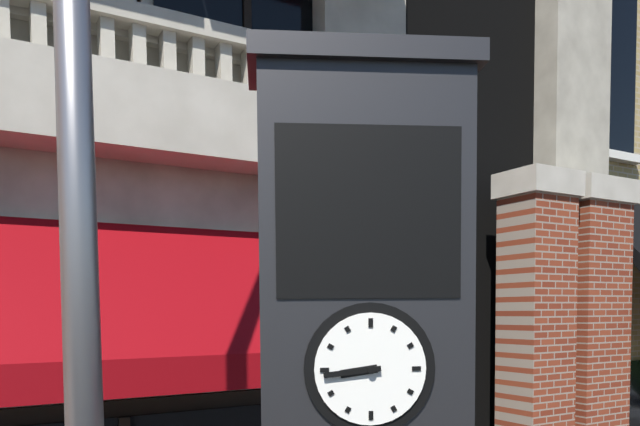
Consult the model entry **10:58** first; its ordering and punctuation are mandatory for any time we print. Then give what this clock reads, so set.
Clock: **8:44**
